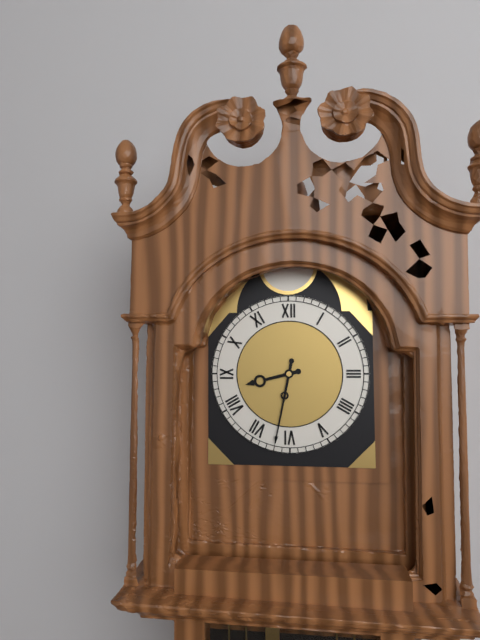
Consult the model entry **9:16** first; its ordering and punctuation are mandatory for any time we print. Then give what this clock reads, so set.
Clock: **8:32**
